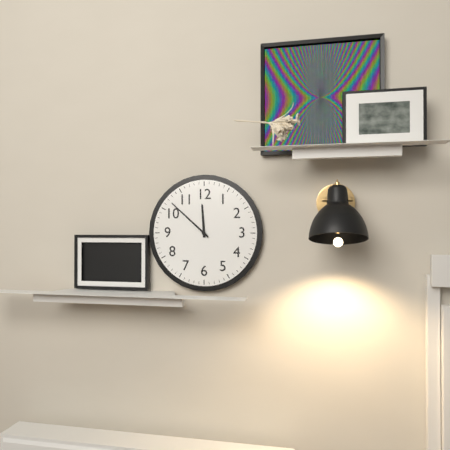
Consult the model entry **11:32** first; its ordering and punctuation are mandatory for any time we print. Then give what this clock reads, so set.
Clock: **11:52**
